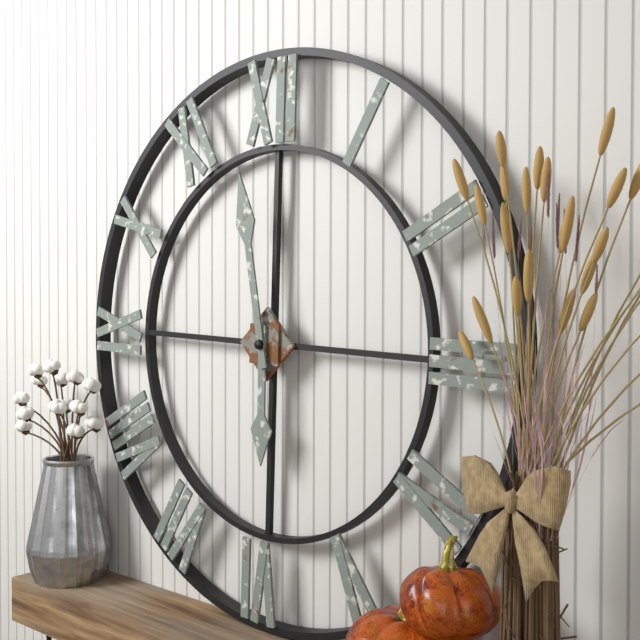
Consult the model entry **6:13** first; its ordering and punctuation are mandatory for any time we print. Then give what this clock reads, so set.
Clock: **5:58**
